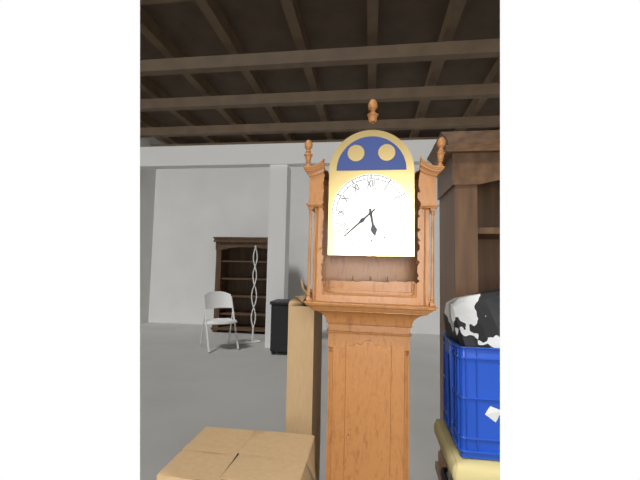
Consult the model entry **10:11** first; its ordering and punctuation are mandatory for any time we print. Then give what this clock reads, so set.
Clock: **5:38**
